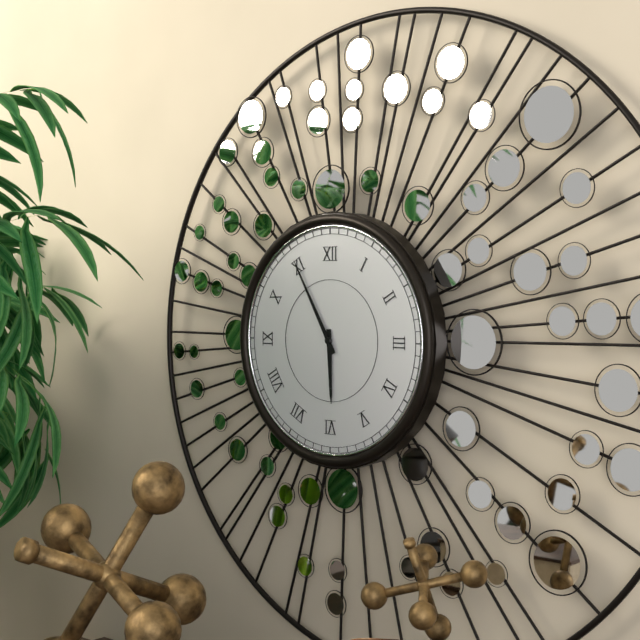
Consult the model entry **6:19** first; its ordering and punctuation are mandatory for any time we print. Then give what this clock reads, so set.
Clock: **5:55**
